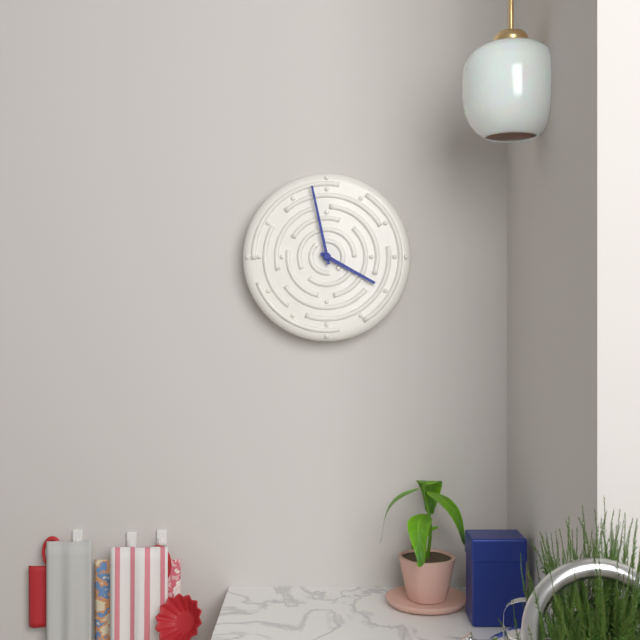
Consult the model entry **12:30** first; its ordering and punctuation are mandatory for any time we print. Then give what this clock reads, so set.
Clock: **3:58**
